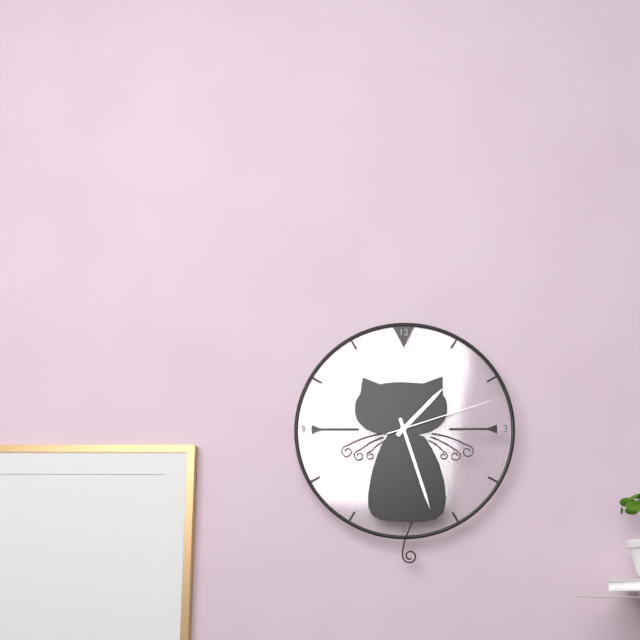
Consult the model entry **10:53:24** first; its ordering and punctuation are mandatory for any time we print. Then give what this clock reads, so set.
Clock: **1:27:12**
